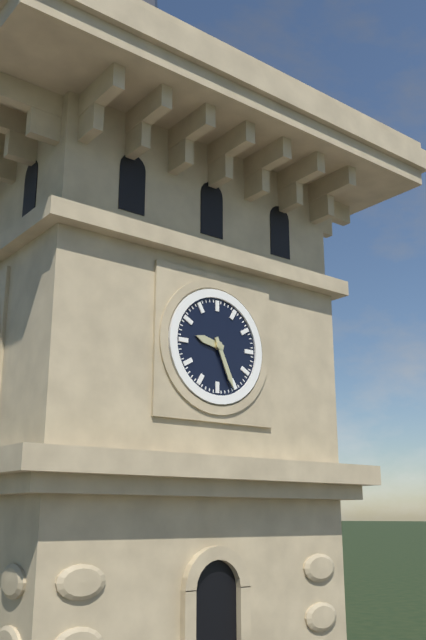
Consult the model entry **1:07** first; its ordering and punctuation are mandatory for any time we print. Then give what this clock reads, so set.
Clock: **9:26**
